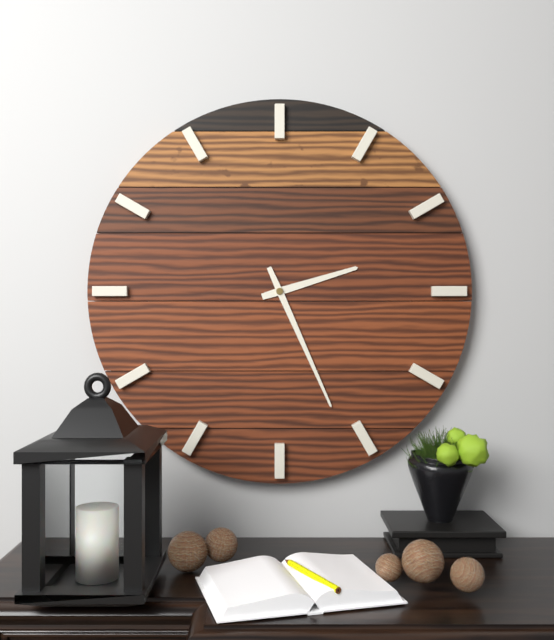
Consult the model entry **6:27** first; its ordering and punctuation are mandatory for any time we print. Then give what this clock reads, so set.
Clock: **2:26**
